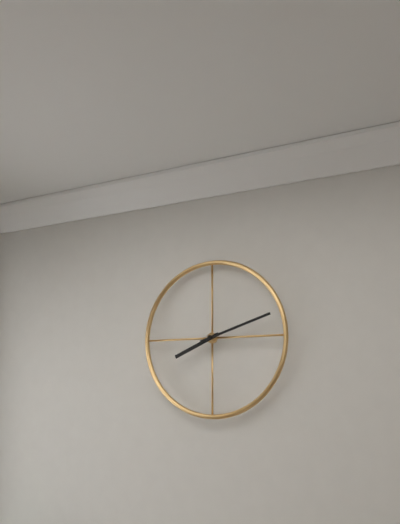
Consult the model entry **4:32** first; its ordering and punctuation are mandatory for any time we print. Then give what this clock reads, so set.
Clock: **8:12**
